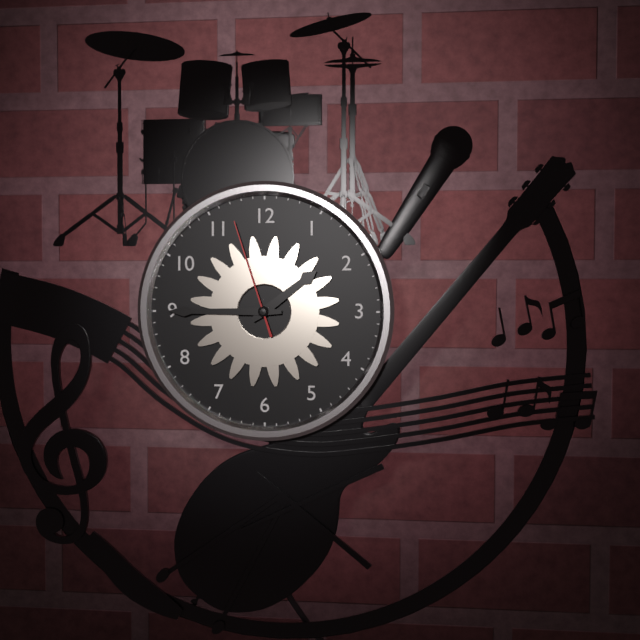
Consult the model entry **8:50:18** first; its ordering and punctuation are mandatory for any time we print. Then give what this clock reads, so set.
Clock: **1:45:57**
